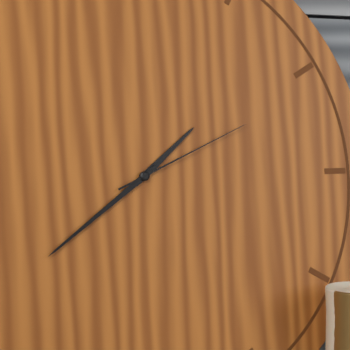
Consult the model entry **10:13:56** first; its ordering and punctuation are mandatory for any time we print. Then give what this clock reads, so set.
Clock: **1:39:11**
